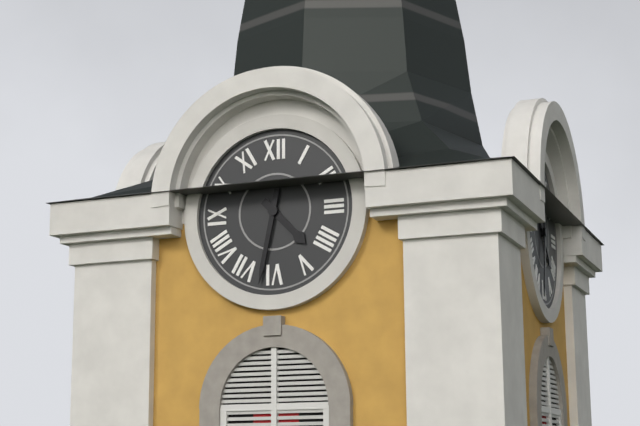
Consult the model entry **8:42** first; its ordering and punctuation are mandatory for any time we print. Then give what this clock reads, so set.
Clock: **4:32**
